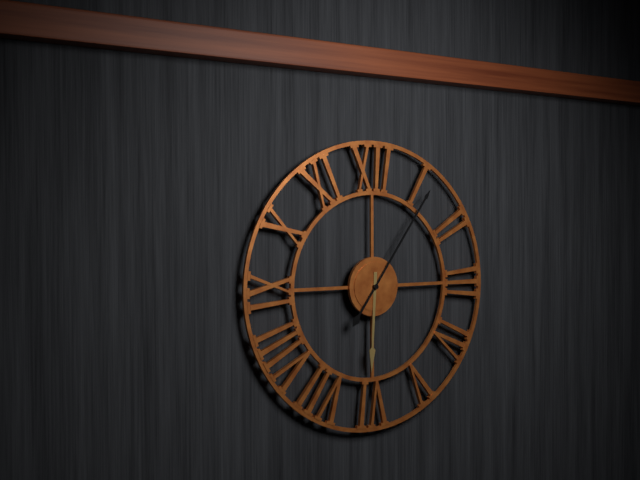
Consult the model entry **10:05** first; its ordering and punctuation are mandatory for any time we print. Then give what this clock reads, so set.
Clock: **6:06**
